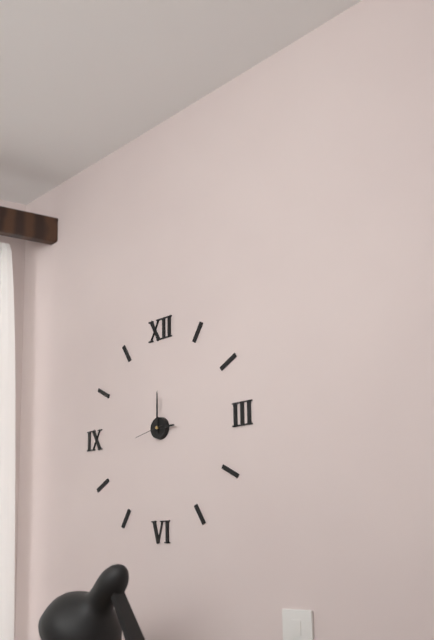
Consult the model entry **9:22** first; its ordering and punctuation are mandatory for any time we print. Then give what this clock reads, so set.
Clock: **3:00**
